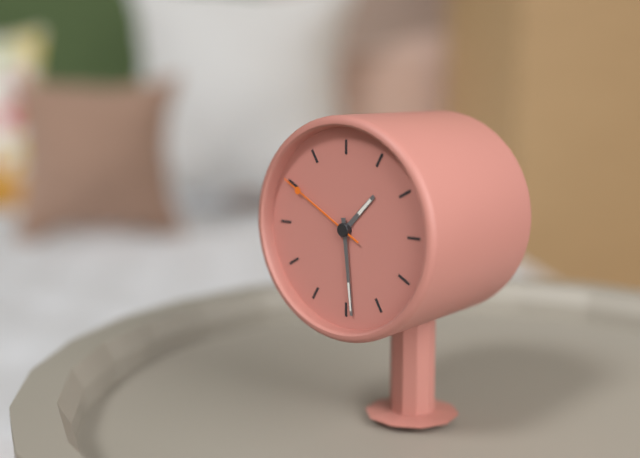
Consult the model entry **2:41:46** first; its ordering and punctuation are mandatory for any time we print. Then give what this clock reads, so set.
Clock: **1:29:50**
